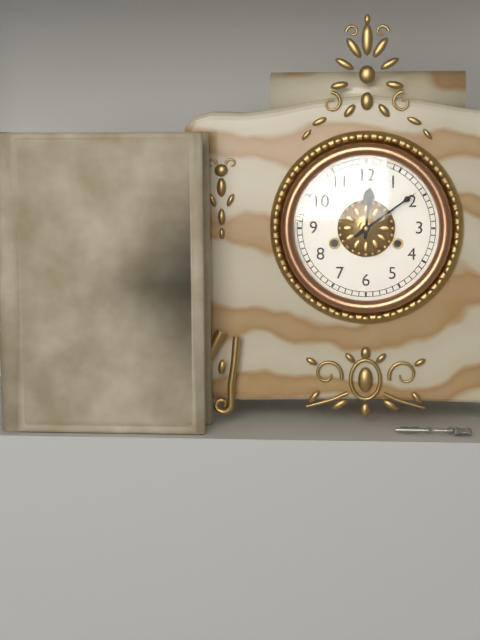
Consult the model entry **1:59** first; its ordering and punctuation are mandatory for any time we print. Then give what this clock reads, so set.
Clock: **12:09**
